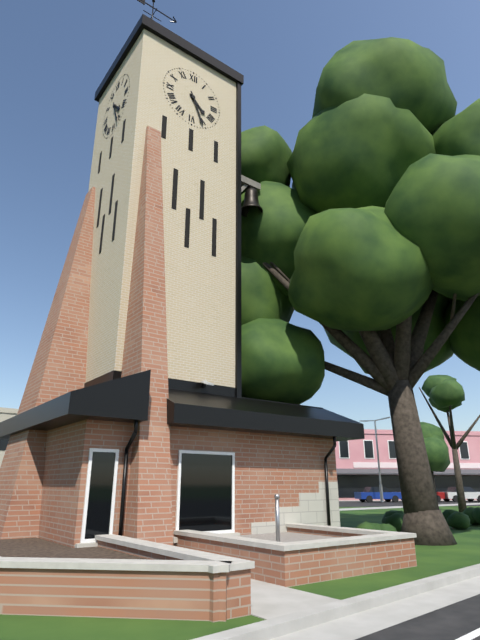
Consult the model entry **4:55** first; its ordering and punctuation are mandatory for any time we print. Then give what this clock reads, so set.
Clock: **4:26**
